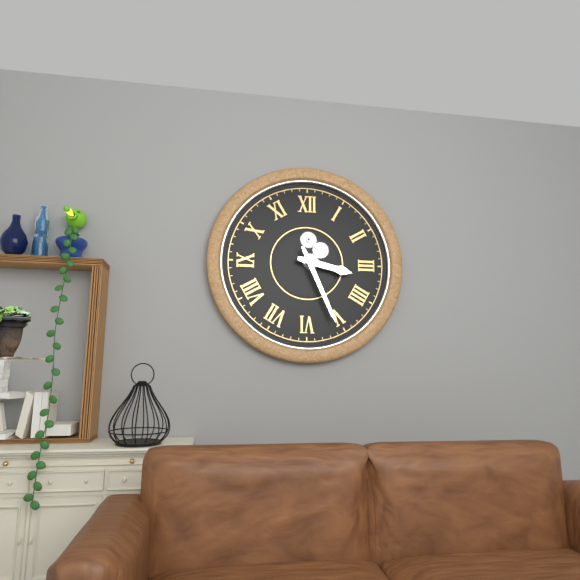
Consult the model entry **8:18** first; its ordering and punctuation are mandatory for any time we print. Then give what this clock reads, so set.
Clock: **3:26**
